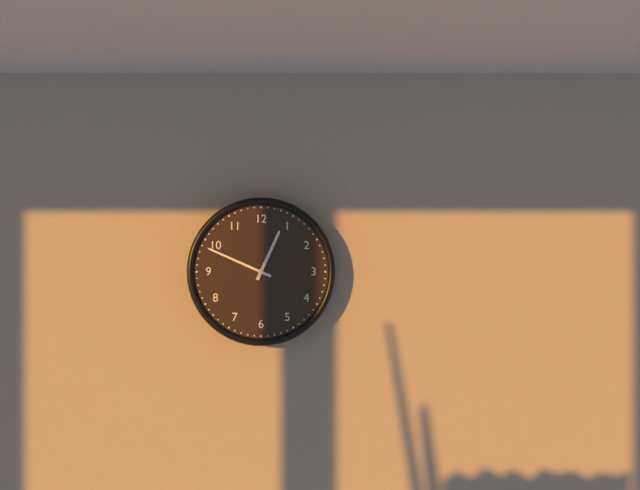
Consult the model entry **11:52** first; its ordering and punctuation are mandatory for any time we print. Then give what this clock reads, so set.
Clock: **12:49**
